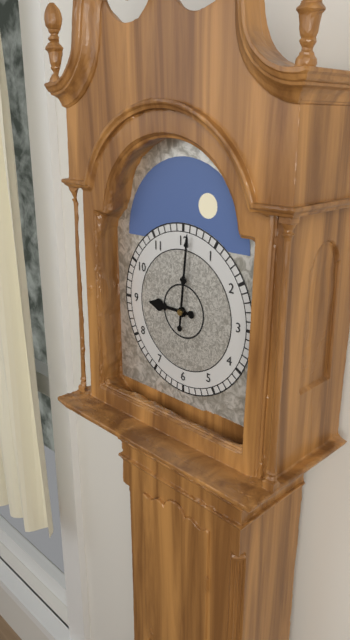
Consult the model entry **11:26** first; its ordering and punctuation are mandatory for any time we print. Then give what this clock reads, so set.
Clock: **9:01**
